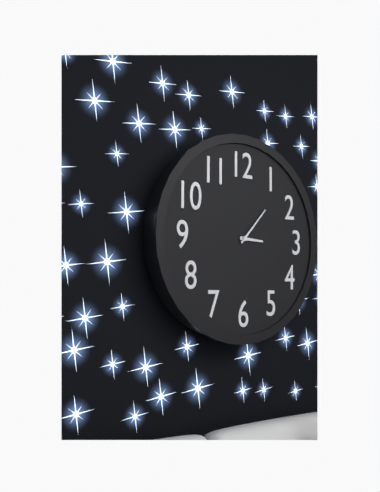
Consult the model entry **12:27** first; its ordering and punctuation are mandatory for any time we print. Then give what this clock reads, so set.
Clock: **3:07**
